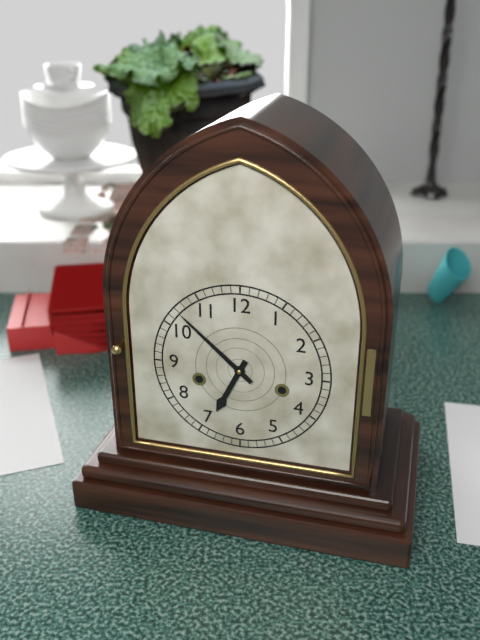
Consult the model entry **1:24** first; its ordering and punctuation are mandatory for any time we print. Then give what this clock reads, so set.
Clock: **6:52**
